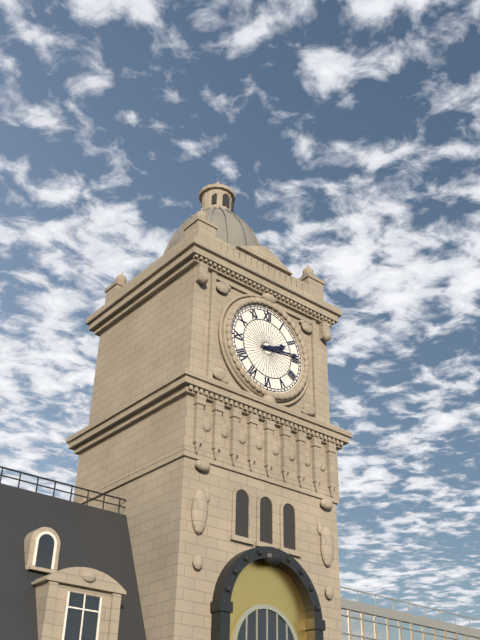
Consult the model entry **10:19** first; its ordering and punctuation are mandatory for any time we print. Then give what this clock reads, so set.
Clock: **2:14**
